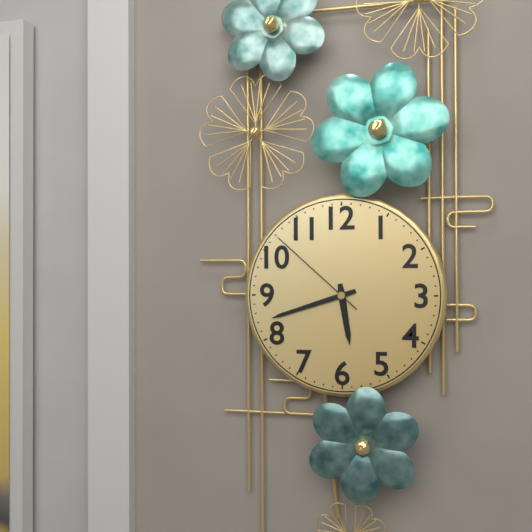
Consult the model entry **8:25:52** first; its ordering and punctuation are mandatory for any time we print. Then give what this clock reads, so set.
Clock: **5:42:52**
